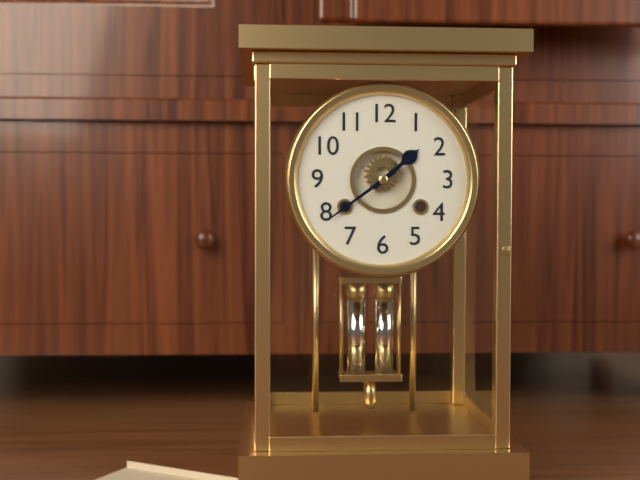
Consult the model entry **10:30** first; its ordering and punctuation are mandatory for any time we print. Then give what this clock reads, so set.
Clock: **1:39**
